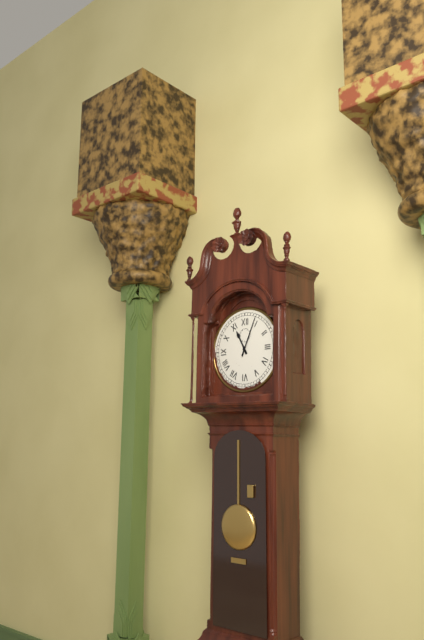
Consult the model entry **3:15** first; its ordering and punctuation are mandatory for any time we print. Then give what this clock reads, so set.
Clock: **11:04**
